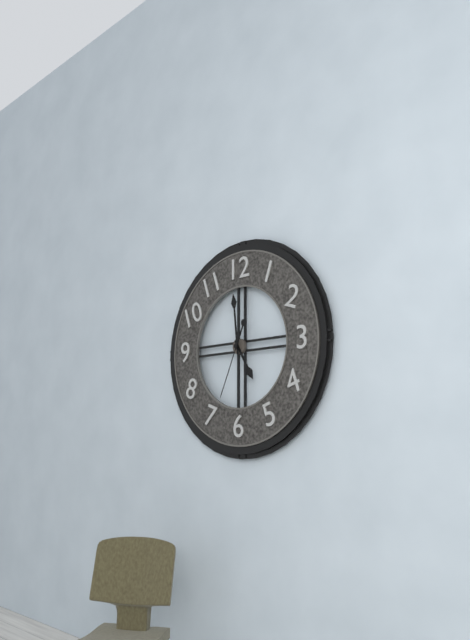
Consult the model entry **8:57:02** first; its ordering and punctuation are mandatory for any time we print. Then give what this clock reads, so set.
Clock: **4:59:34**
